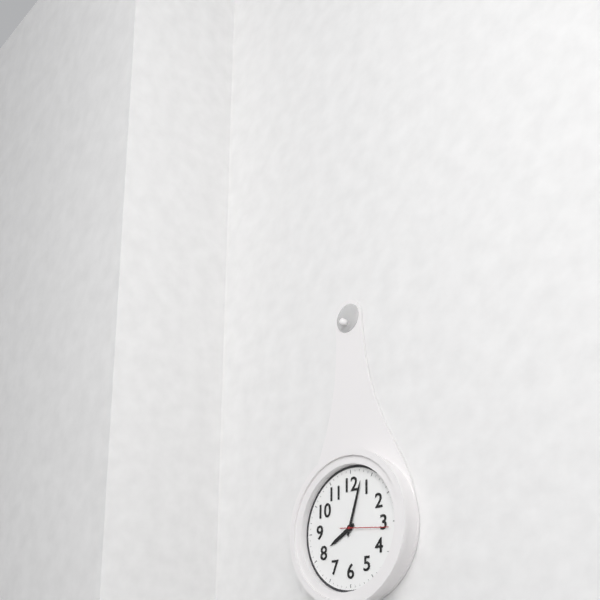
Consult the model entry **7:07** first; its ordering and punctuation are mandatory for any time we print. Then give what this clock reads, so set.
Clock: **8:03**
